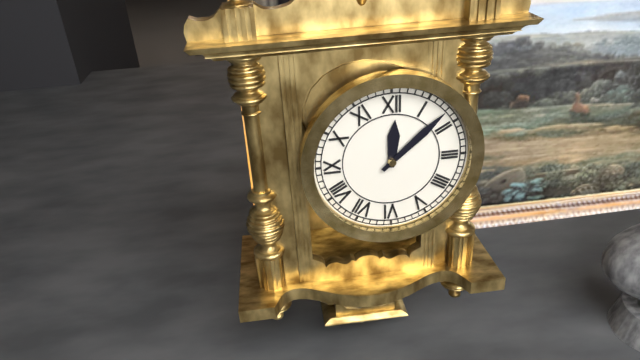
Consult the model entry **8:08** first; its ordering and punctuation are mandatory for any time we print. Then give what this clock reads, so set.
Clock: **12:08**
